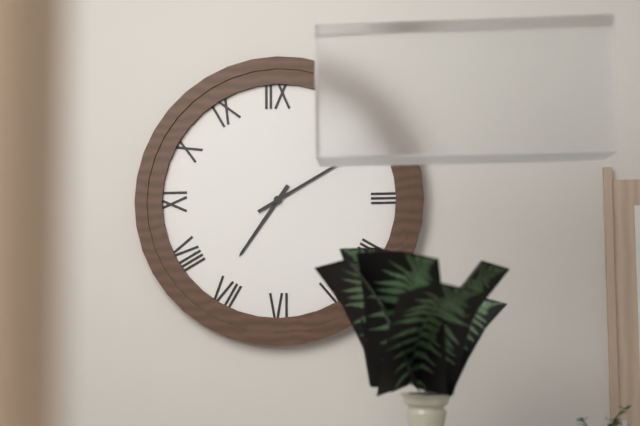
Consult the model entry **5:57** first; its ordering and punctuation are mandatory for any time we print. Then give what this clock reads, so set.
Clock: **7:10**
